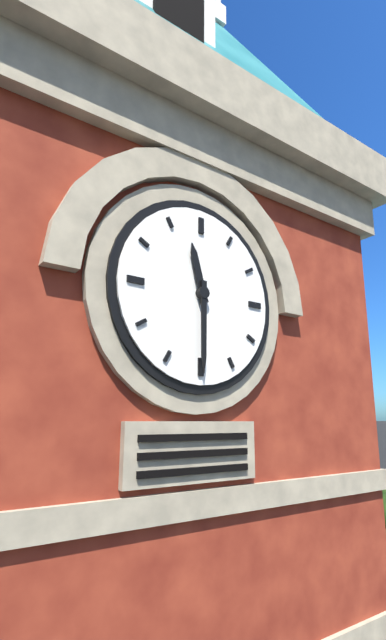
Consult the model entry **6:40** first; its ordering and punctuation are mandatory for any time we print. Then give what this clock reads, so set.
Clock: **11:30**
